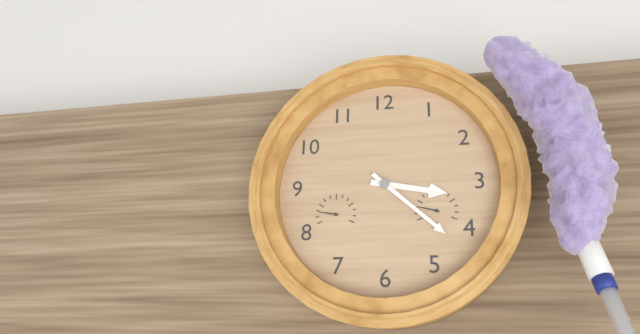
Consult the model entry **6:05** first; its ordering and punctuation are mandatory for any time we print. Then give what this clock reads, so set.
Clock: **3:22**
